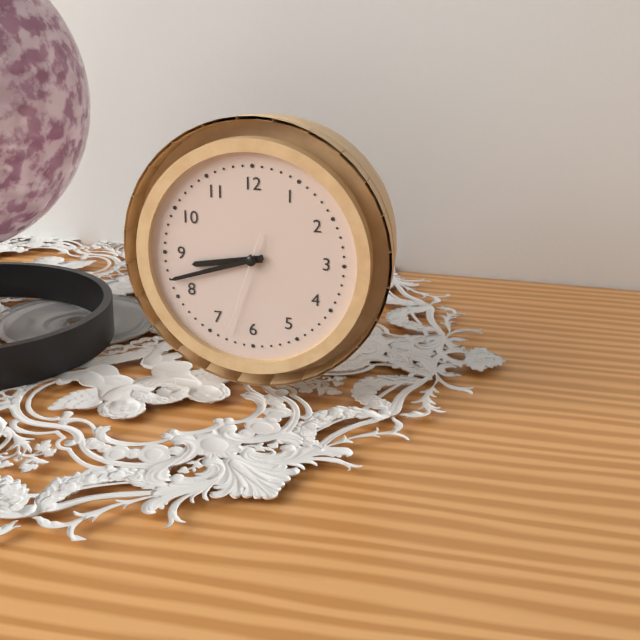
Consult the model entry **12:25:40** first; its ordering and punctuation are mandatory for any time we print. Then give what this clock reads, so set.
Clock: **8:42:33**
